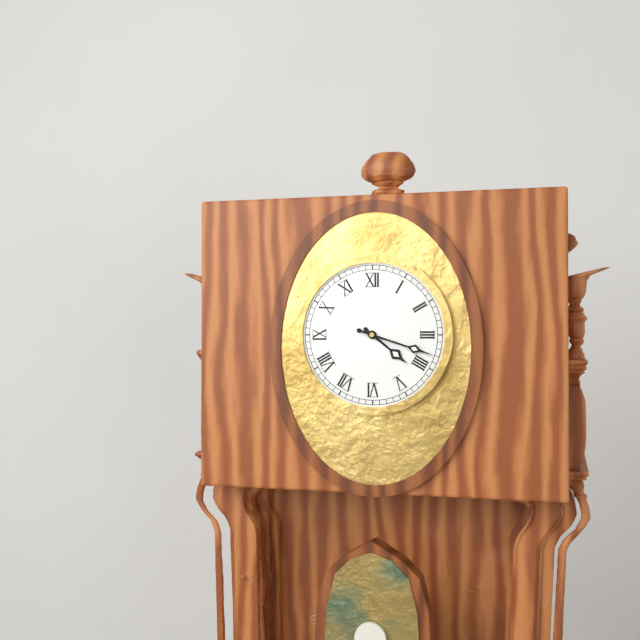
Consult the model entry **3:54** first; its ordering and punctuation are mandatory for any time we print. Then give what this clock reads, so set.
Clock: **4:18**
